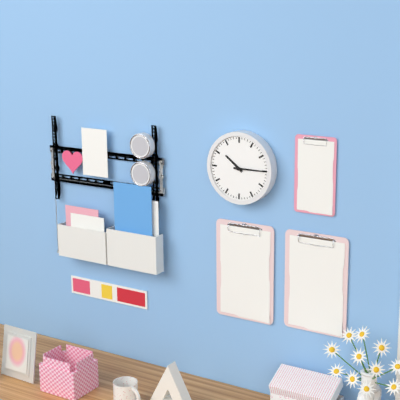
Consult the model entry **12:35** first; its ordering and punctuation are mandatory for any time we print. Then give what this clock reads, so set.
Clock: **10:15**
